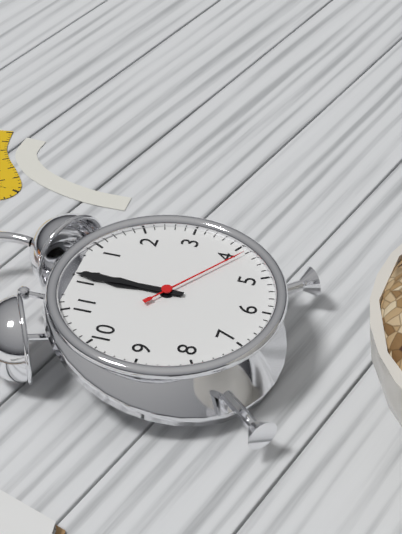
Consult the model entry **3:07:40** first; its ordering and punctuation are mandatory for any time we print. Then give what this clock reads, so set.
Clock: **12:00:21**
